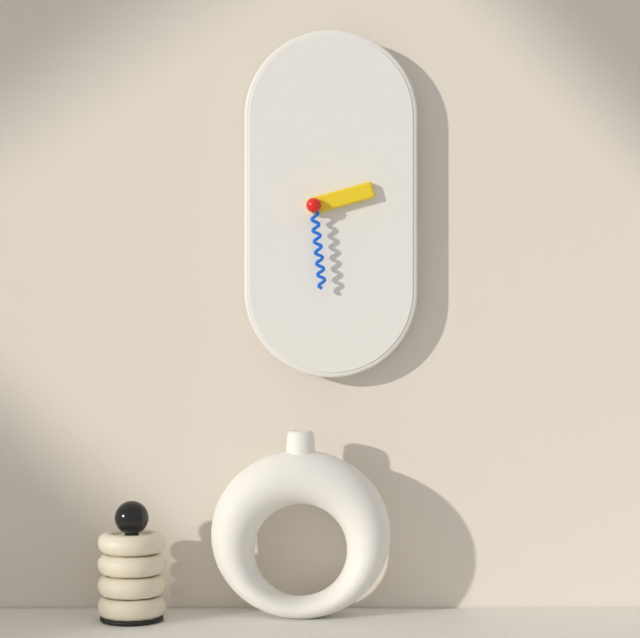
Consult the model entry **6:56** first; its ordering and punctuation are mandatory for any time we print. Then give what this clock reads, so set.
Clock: **2:29**
